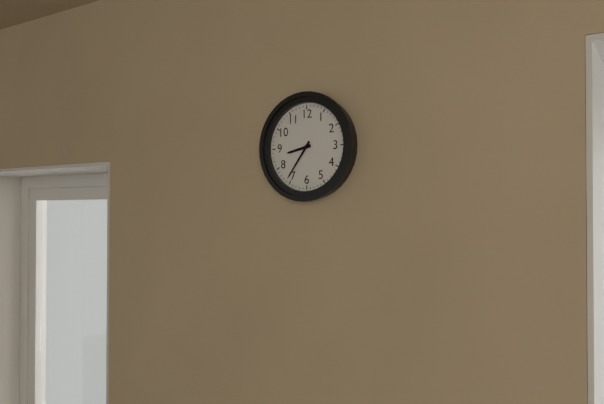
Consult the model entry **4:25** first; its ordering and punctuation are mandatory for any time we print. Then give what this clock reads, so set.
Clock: **8:36**
